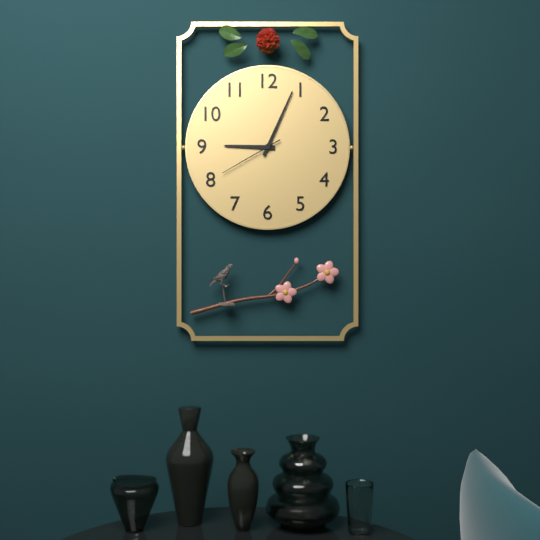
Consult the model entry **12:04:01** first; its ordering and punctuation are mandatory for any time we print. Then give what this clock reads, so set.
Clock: **9:04:40**
